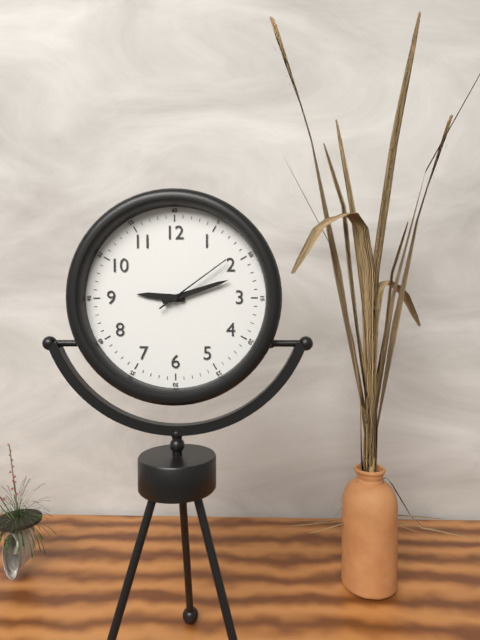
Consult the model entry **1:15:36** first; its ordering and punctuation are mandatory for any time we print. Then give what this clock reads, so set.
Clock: **9:12:09**
